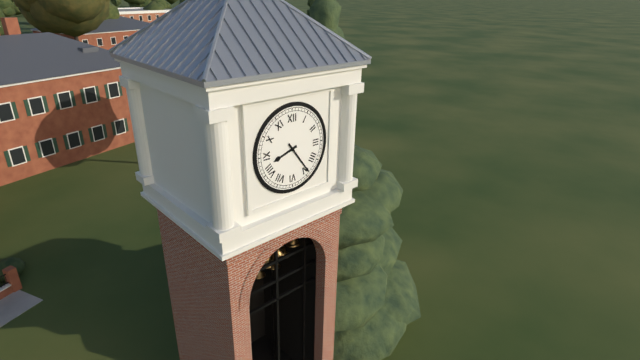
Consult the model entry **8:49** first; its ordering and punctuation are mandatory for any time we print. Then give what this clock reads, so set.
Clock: **8:24**
